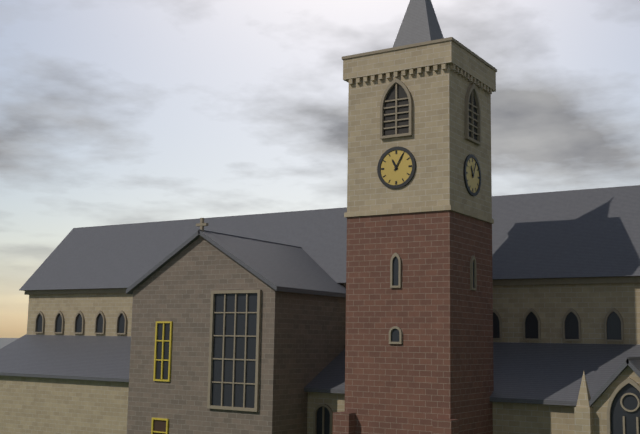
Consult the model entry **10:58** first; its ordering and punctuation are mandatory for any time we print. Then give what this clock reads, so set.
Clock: **11:05**
